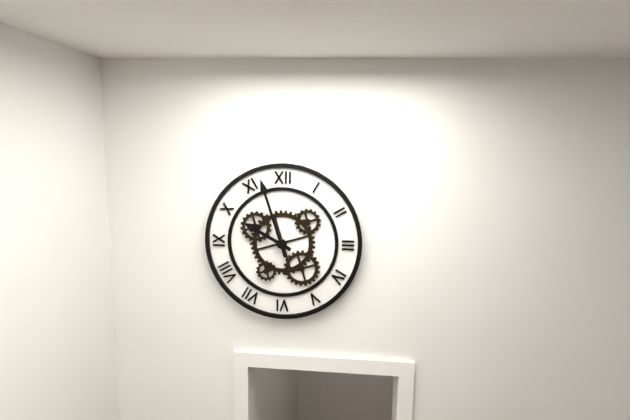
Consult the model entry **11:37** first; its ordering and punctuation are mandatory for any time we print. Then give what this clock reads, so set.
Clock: **9:57**
